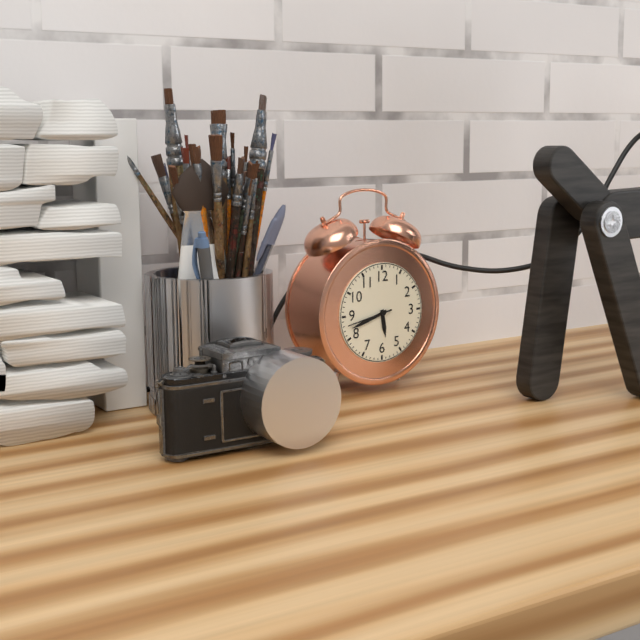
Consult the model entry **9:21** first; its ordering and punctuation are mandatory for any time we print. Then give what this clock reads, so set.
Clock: **5:42**
